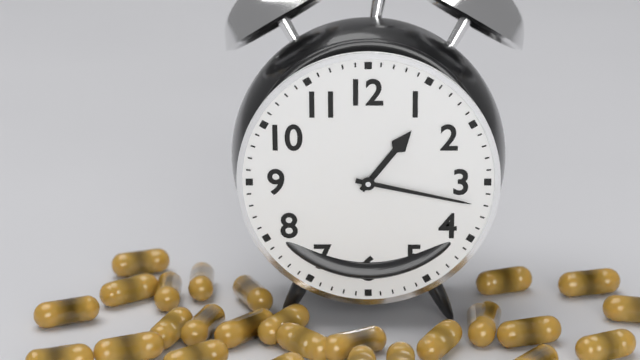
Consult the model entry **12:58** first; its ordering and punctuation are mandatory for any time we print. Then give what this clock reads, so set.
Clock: **1:17**
